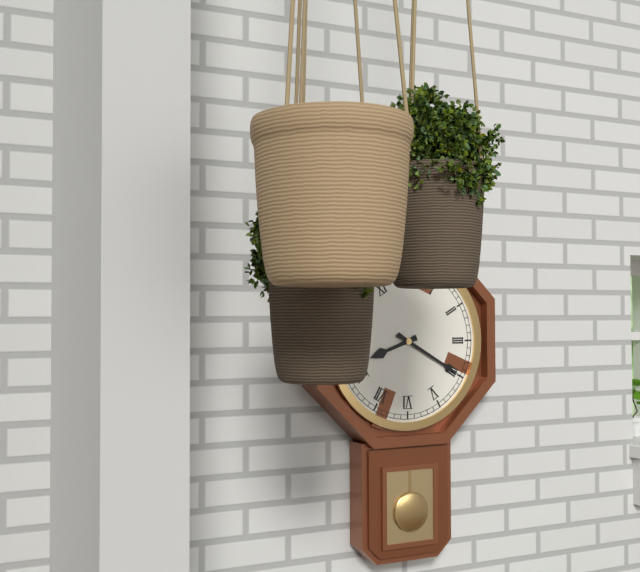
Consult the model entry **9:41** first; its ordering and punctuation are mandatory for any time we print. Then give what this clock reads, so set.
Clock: **8:20**
